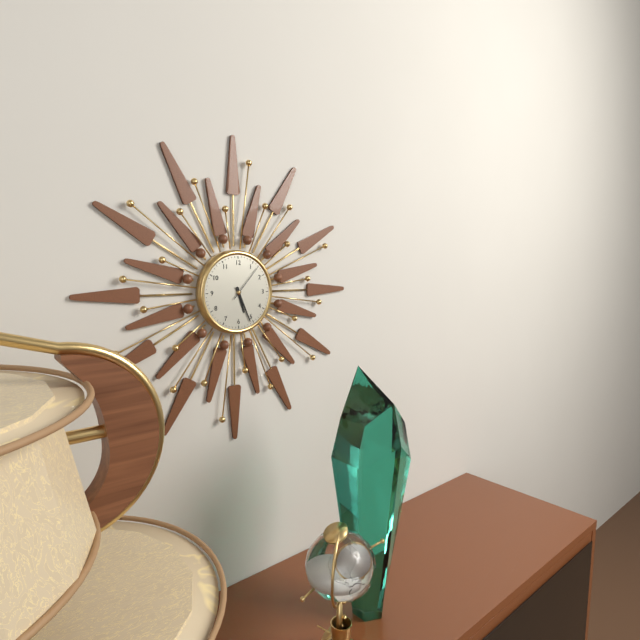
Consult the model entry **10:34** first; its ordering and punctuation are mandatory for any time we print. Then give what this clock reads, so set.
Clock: **5:26**
